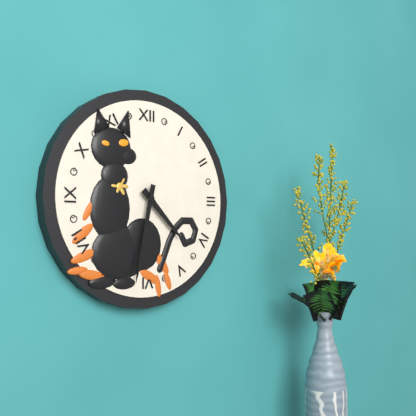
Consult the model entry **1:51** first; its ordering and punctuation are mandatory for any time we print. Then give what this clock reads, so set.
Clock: **4:32**
